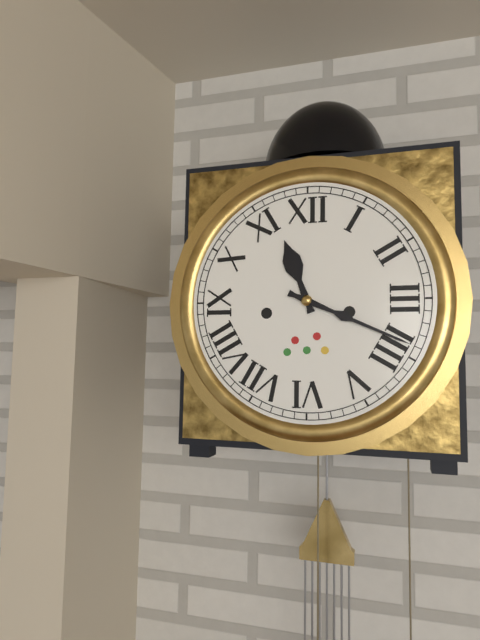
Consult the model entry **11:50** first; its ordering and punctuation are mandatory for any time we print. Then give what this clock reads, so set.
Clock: **11:19**
